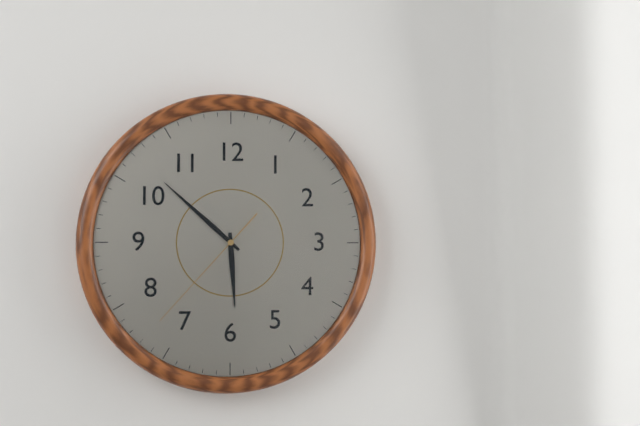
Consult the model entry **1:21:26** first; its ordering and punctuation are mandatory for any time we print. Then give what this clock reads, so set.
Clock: **5:52:37**
